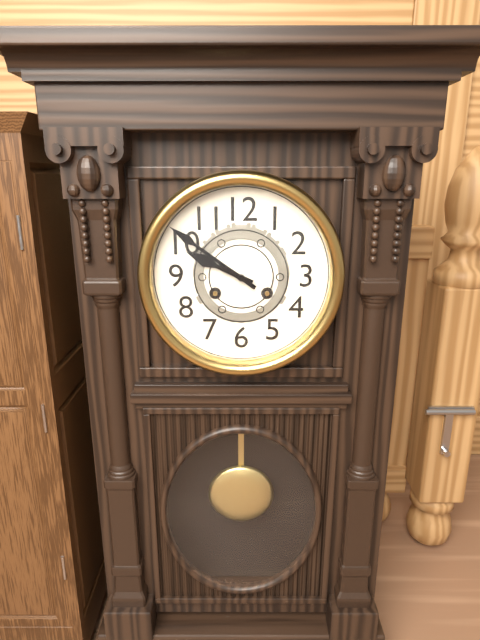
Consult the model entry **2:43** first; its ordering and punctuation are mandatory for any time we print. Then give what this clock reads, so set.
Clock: **9:51**
